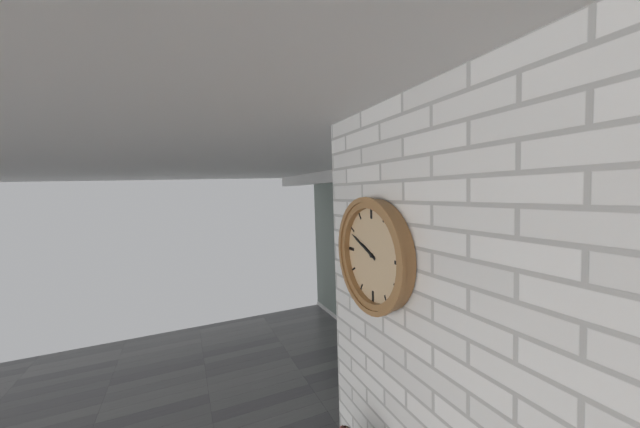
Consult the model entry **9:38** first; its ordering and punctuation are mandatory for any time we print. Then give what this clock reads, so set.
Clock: **9:49**
